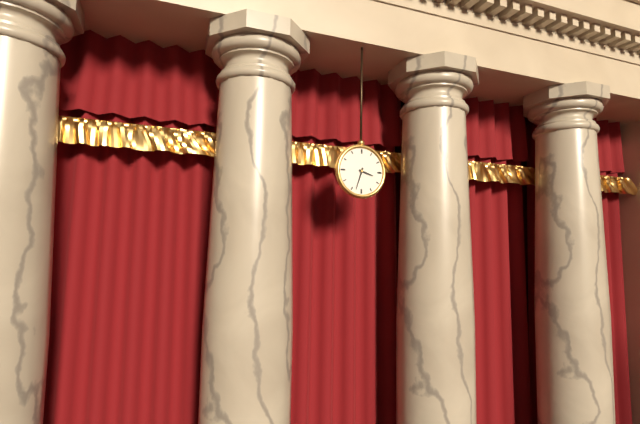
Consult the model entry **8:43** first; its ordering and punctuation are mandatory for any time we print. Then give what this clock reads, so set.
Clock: **3:33**
